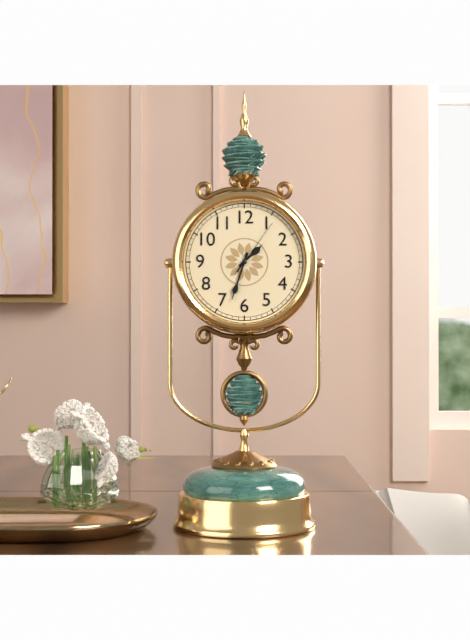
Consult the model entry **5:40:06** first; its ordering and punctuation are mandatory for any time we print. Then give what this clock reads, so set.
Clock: **1:33:06**
